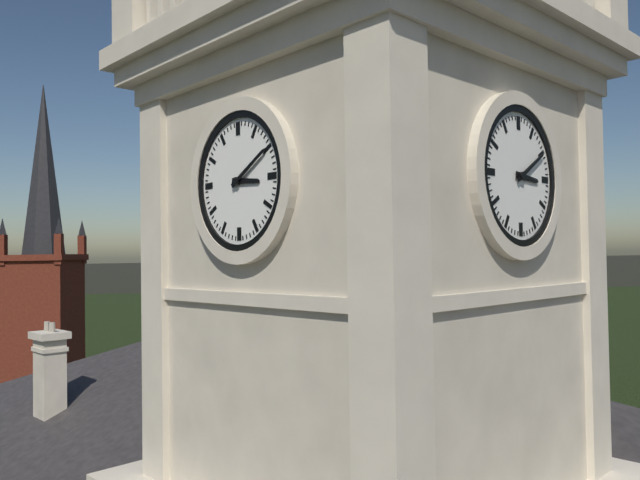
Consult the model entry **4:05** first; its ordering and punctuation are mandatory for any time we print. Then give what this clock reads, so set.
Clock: **3:10**
